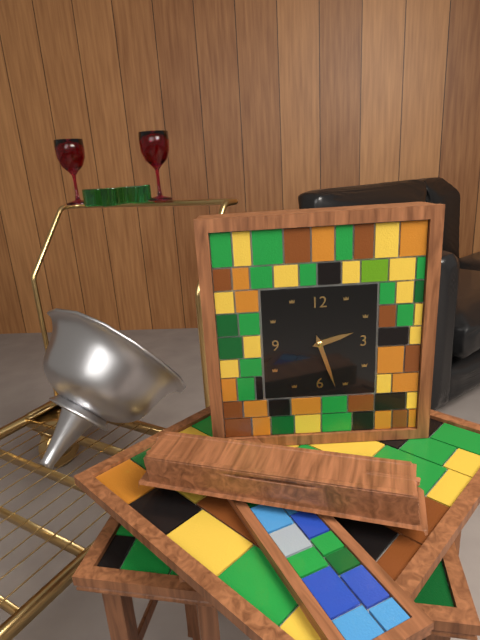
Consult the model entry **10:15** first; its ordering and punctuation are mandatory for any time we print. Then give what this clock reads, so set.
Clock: **2:27**
